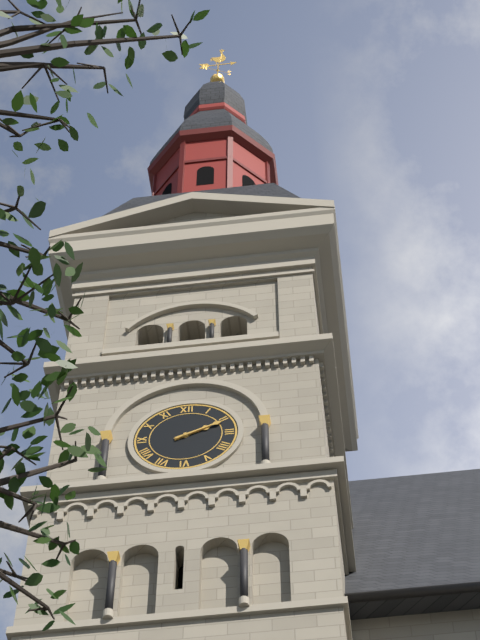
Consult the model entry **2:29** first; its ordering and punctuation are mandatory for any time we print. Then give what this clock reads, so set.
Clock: **2:11**
